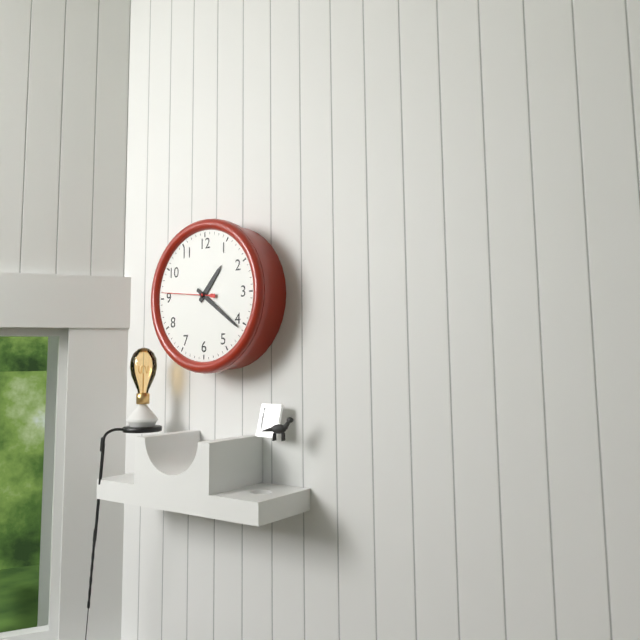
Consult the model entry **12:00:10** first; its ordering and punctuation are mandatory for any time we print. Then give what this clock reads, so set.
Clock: **1:21:46**
